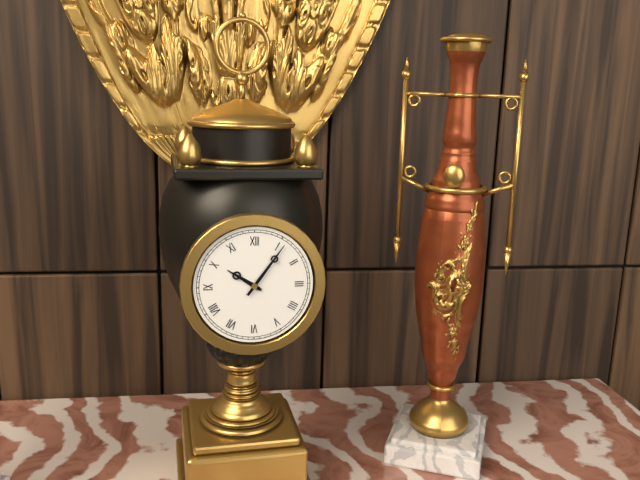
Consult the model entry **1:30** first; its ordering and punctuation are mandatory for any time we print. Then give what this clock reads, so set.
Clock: **10:06**
